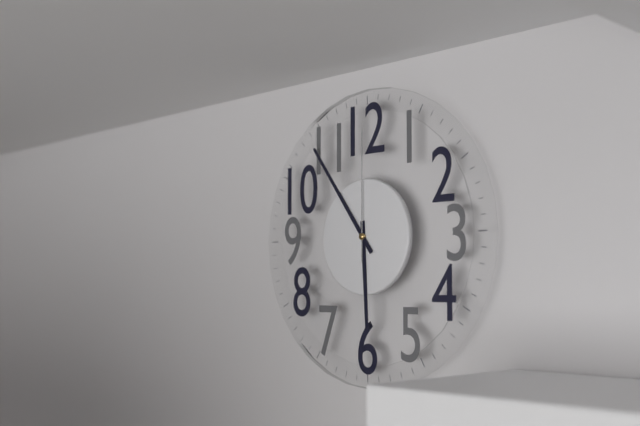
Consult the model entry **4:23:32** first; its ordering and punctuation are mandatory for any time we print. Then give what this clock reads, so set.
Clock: **5:54:00**
